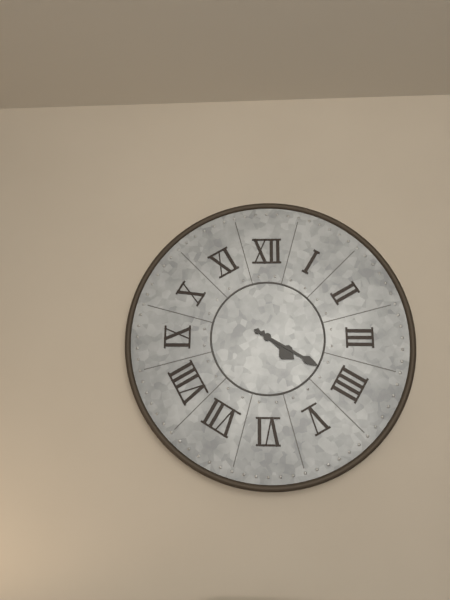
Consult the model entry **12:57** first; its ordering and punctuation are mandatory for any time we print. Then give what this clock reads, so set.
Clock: **4:20**
